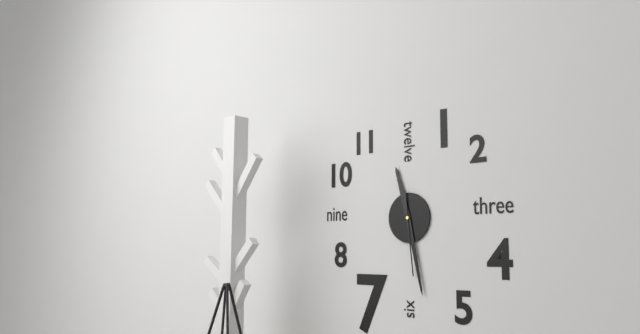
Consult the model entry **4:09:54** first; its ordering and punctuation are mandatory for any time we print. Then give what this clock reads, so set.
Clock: **11:28:29**
